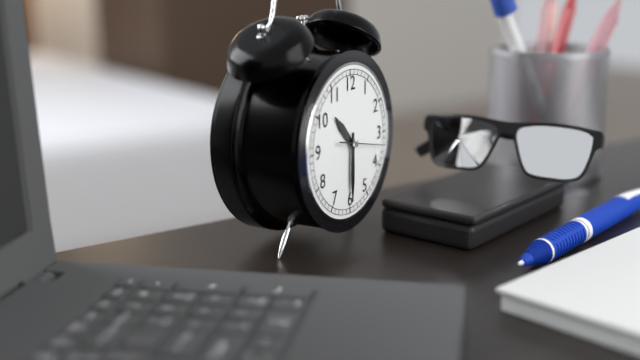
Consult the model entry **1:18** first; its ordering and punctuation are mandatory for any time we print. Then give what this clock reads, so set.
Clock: **10:30**
